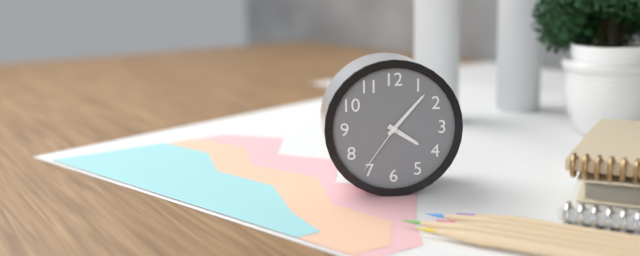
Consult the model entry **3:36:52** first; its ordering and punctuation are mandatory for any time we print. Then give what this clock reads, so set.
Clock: **4:07:36**
